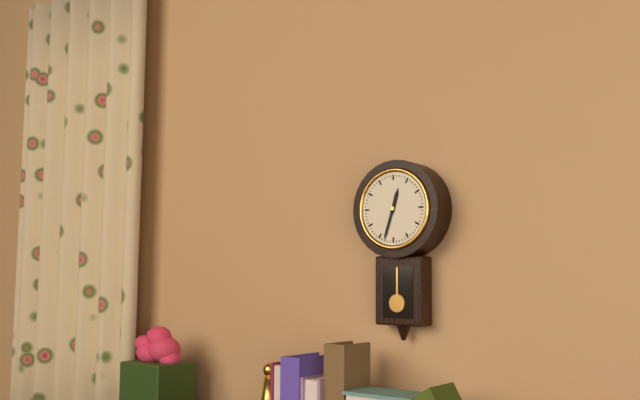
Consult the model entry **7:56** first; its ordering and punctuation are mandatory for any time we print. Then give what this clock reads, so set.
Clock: **12:33**
